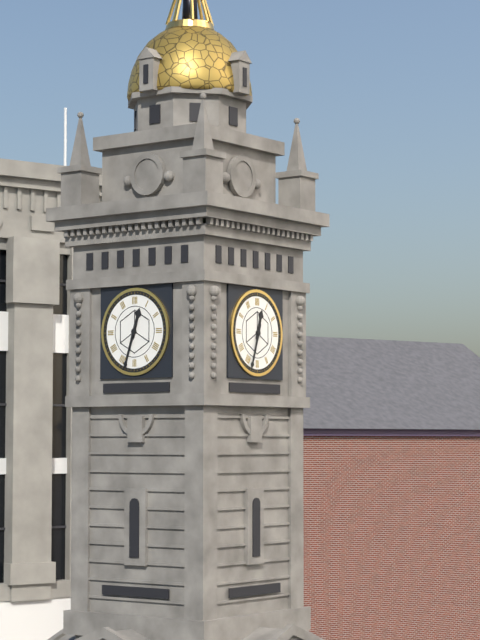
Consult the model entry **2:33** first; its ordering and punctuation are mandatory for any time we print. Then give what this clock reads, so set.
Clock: **12:33**
